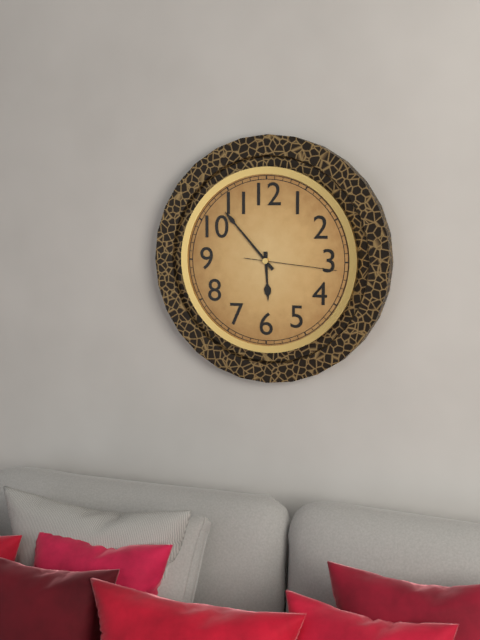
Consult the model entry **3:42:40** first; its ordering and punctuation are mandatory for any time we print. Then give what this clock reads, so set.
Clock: **5:53:16**
